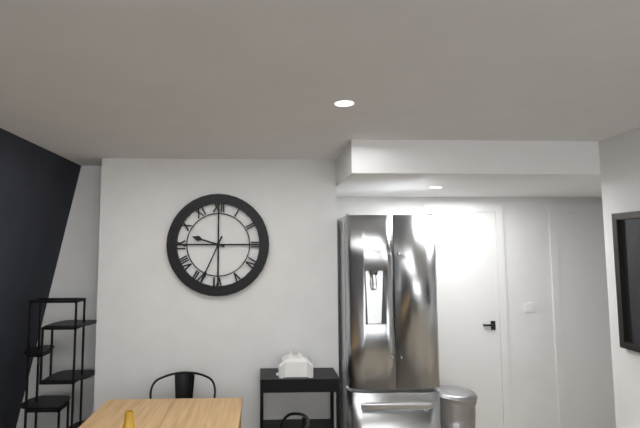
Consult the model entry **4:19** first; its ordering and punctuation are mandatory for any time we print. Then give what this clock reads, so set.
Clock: **9:34**
